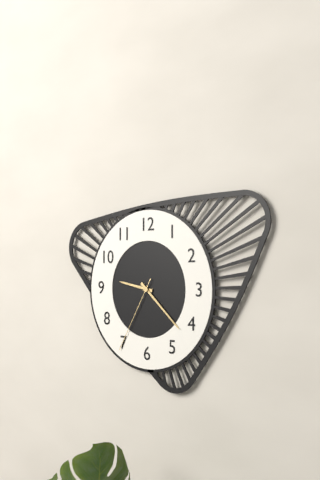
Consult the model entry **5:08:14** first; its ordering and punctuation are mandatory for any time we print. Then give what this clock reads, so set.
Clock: **9:22:35**
